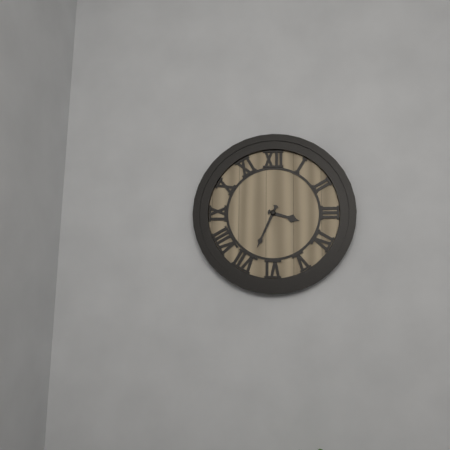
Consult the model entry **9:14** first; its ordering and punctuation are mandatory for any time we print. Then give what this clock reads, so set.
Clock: **3:34**
